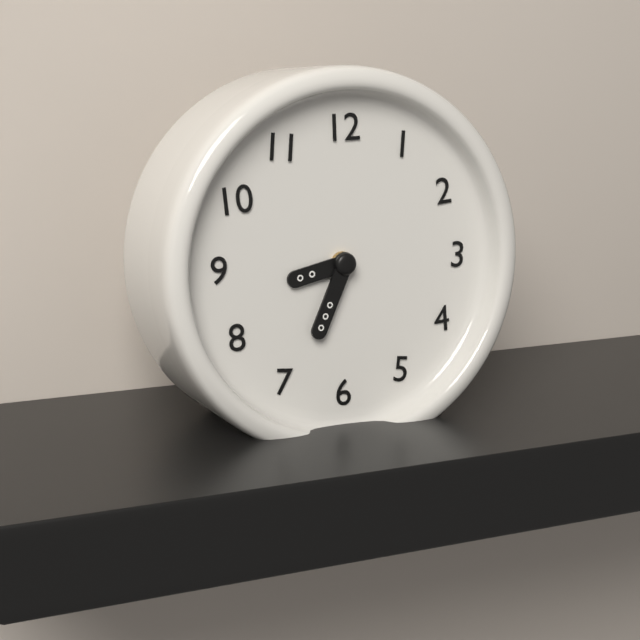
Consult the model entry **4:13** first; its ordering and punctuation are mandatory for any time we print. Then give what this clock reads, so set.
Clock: **8:34**
